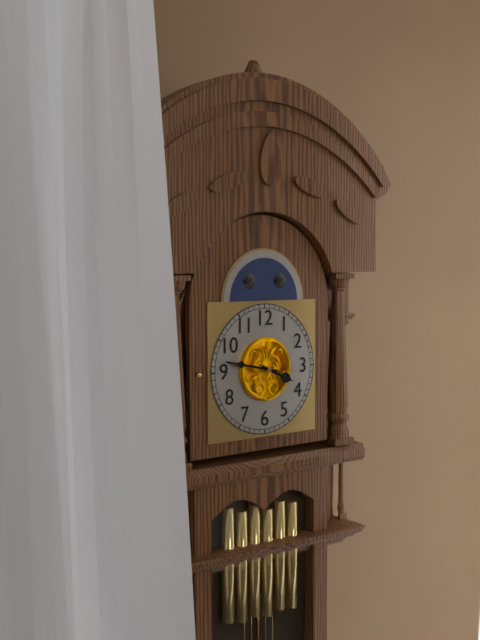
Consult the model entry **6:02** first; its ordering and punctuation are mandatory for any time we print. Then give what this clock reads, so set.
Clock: **3:47**
